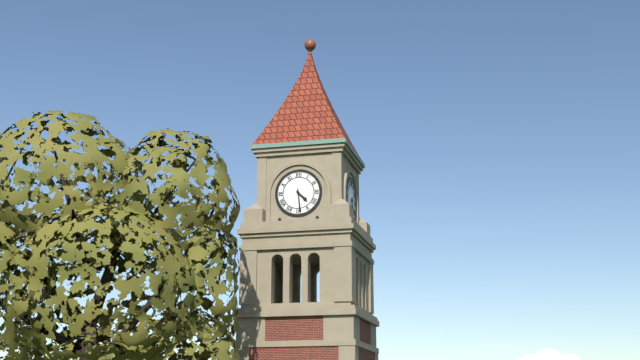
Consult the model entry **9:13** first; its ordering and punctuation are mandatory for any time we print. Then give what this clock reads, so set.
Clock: **4:29**
